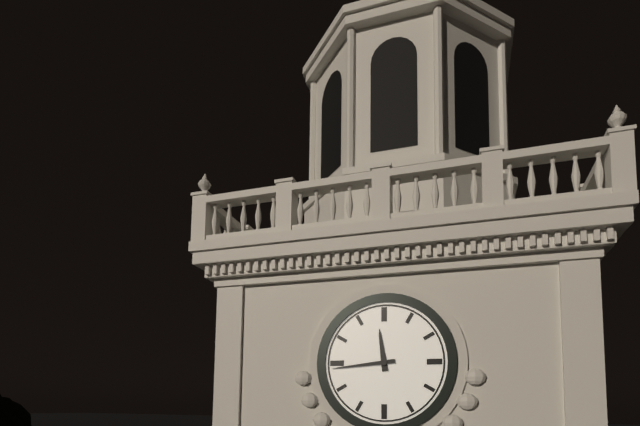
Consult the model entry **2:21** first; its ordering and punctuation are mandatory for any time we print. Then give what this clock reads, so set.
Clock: **11:44**
